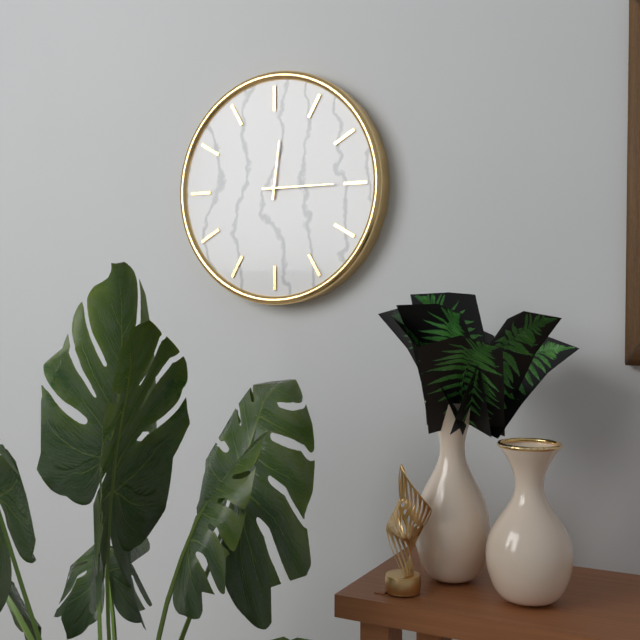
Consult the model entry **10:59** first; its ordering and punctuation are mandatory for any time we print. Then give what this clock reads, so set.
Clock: **12:15**
